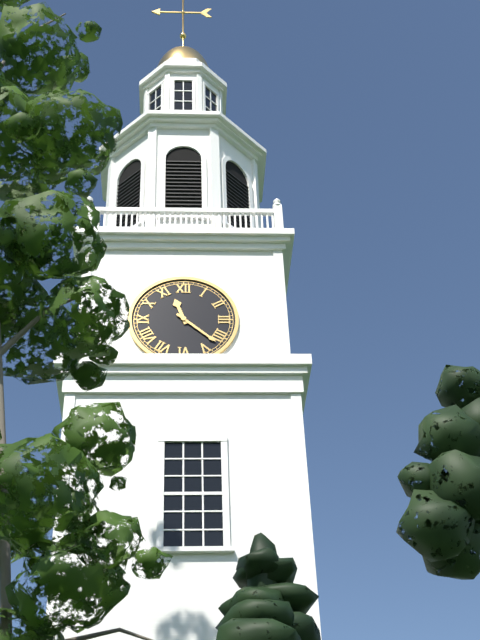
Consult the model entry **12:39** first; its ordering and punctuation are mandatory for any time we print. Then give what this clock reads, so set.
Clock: **11:22**
